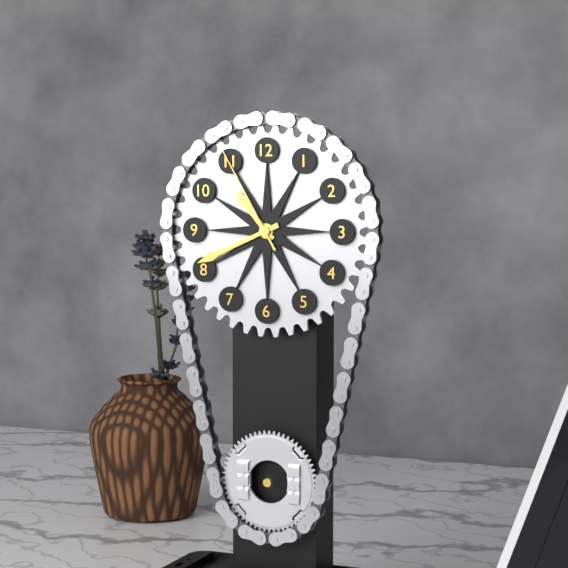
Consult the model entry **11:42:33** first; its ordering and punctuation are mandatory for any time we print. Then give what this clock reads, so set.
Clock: **10:41:55**
